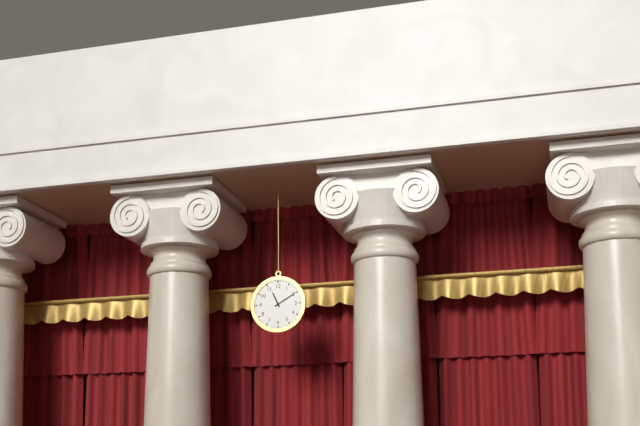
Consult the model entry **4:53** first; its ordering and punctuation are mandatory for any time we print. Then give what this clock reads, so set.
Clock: **11:10**
